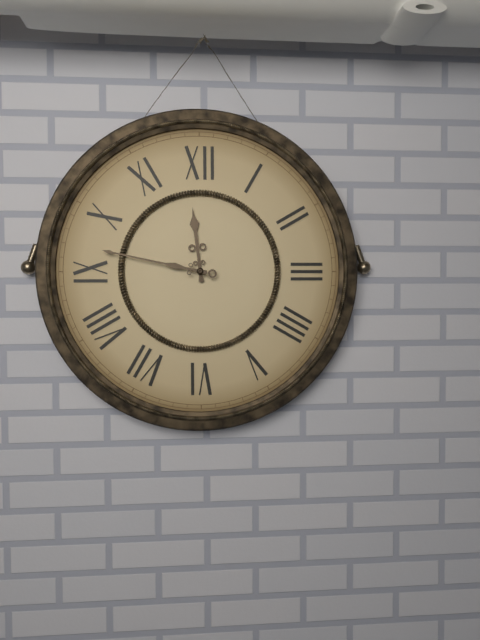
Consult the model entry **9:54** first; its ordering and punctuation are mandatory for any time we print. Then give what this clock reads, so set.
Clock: **11:47**
